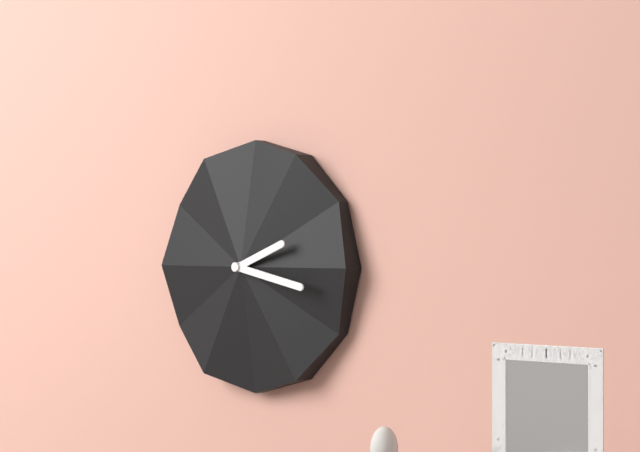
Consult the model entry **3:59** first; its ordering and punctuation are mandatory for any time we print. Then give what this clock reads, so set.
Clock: **2:17**
